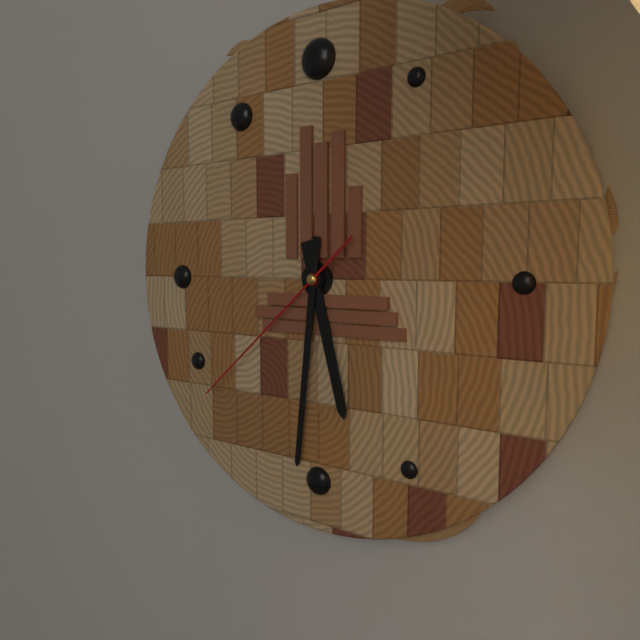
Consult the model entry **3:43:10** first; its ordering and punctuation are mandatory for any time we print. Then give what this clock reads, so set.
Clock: **5:31:38**
